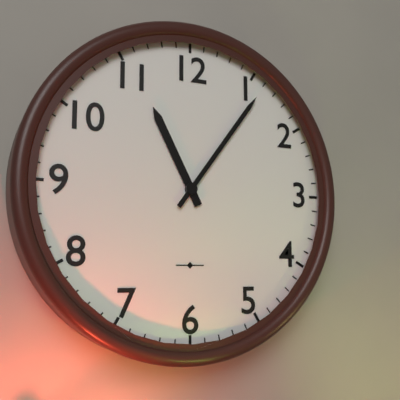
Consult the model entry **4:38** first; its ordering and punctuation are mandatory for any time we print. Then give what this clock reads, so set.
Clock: **11:06**
